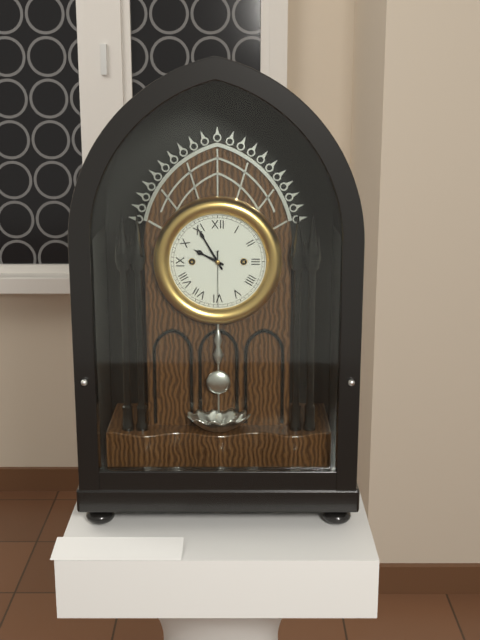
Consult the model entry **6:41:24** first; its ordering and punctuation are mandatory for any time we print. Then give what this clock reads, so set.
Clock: **9:55:30**
